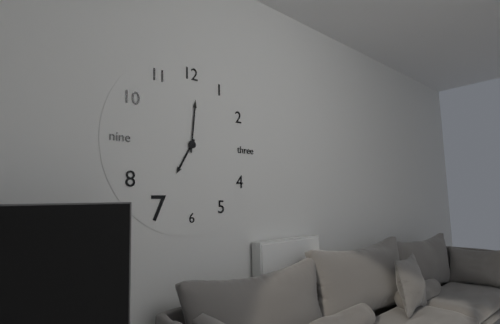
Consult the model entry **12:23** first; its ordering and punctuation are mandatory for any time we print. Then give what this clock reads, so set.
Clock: **7:01**
